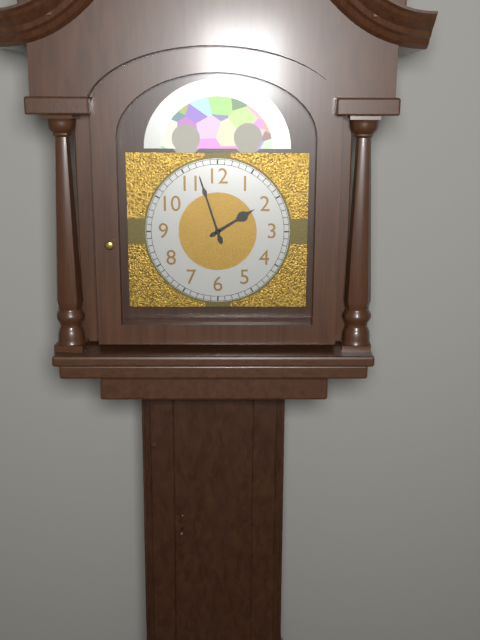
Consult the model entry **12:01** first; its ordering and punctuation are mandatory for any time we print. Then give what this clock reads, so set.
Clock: **1:57**
